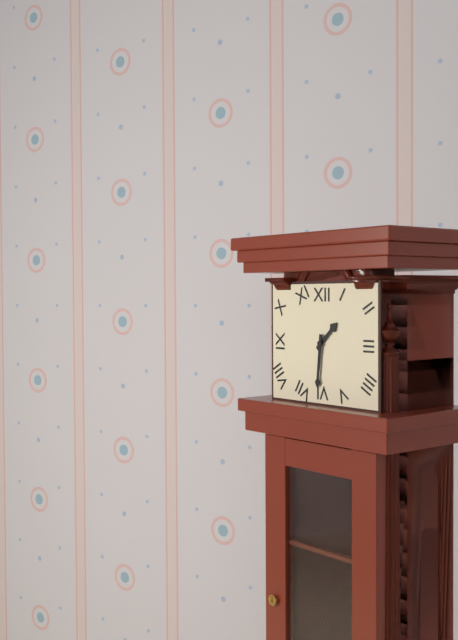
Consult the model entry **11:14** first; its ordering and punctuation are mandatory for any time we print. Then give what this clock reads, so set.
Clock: **1:31**
